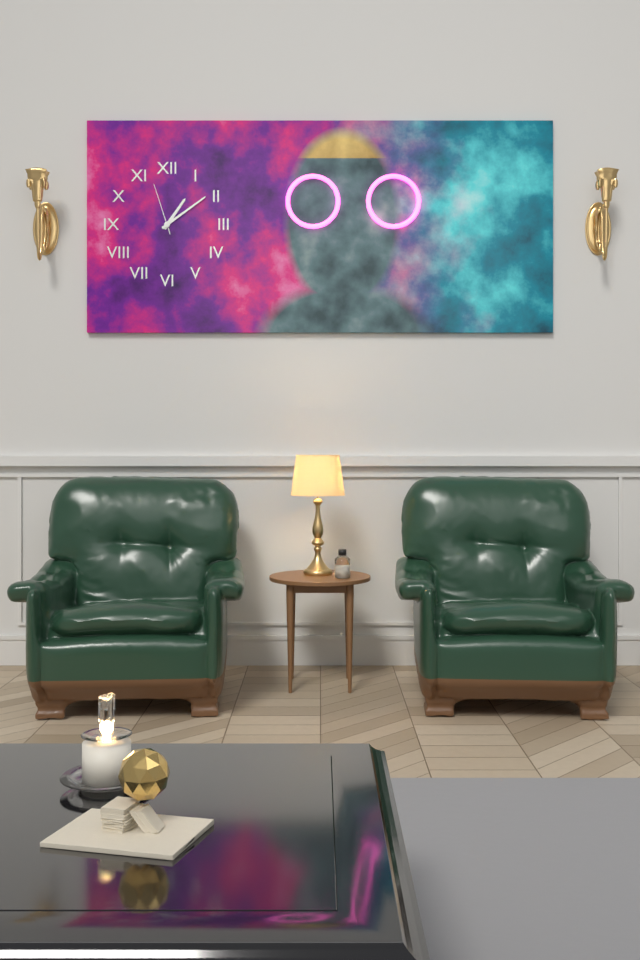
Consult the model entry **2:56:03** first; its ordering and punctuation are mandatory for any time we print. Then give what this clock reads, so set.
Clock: **1:09:57**
